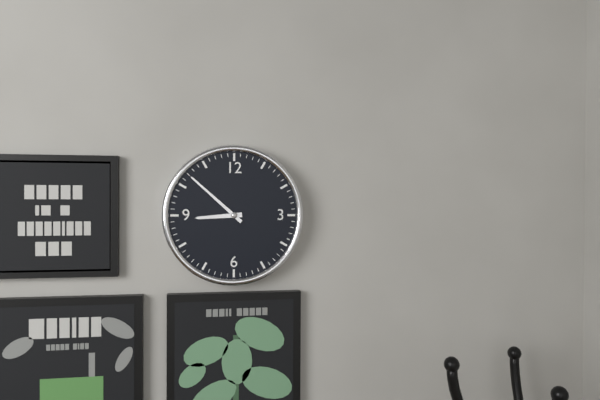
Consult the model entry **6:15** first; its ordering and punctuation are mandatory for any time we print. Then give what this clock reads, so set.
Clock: **8:52**
